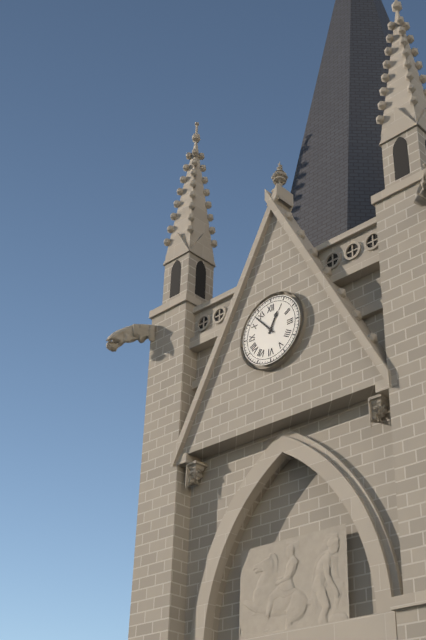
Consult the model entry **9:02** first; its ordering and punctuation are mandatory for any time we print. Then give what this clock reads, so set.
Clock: **12:53**
